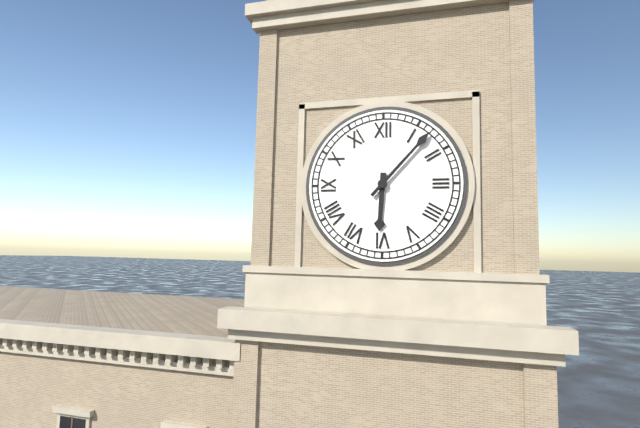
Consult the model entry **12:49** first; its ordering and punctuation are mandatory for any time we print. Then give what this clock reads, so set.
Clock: **6:07**
